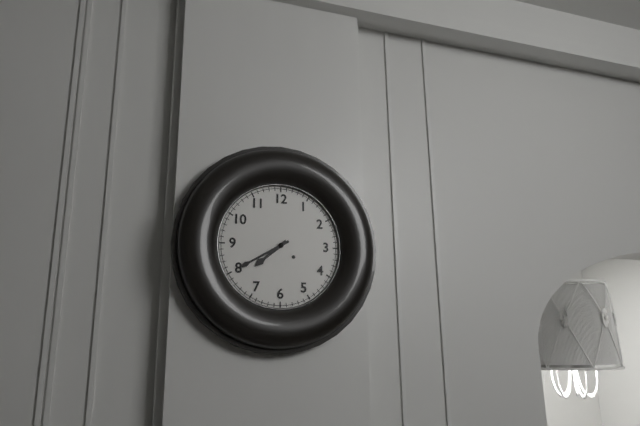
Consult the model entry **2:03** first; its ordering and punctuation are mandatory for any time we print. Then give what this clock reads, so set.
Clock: **7:40**
